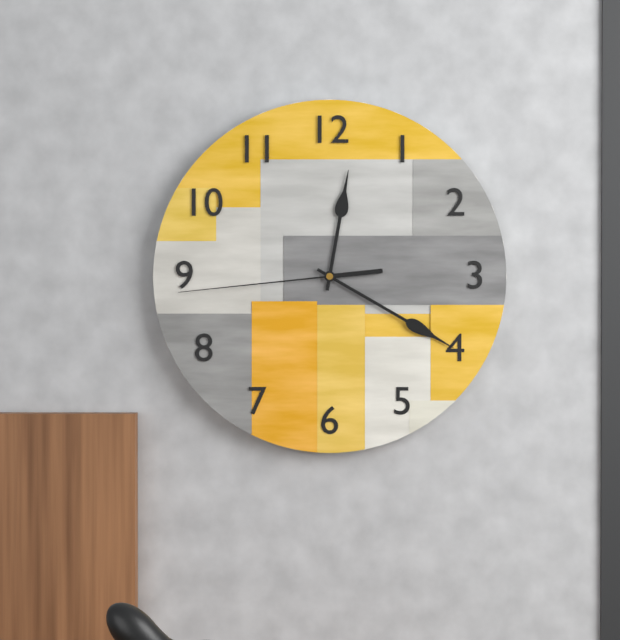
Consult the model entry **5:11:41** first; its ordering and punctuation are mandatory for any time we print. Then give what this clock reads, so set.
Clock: **12:20:44**
